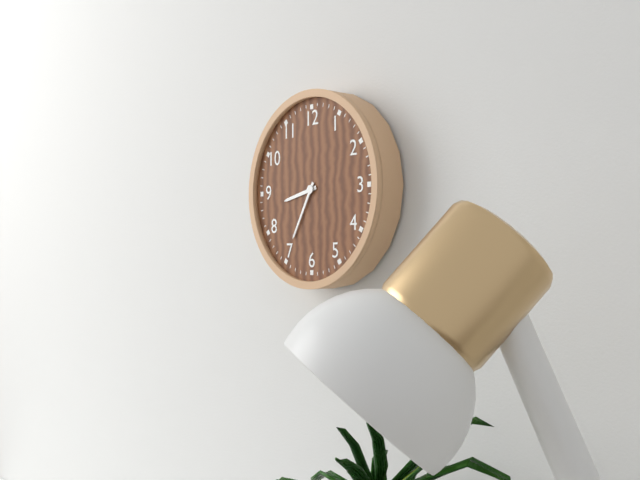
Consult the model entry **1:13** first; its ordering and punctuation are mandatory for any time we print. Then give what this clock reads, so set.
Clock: **8:35**
